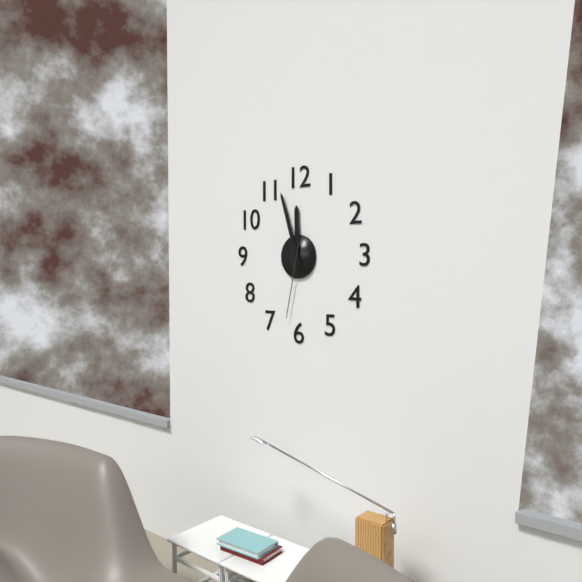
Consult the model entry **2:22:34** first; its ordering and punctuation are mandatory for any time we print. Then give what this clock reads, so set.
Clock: **11:57:32**
